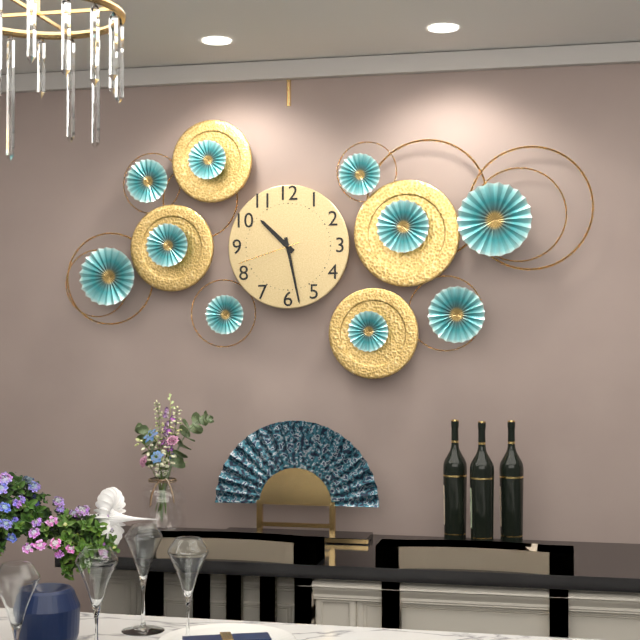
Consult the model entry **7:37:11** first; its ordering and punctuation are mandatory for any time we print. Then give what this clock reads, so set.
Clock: **10:28:42**
